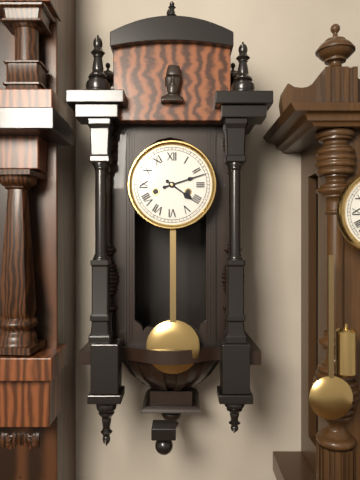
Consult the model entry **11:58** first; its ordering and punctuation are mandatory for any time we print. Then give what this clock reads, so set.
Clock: **4:12**
